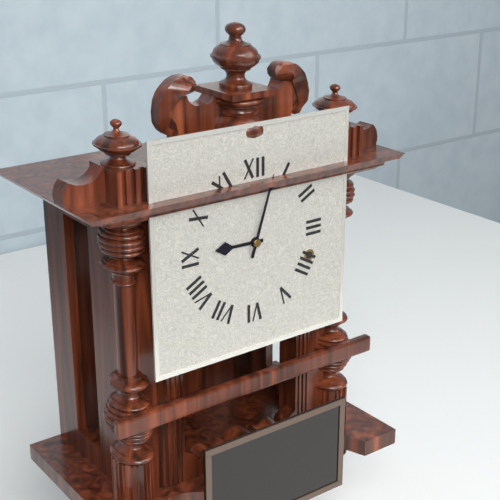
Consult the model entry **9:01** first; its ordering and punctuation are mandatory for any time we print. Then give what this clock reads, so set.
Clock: **9:03**
